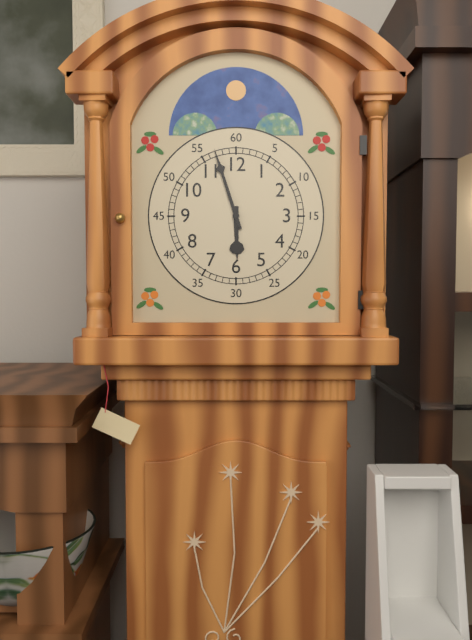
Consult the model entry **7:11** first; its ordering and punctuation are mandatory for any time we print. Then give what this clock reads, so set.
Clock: **5:57**
